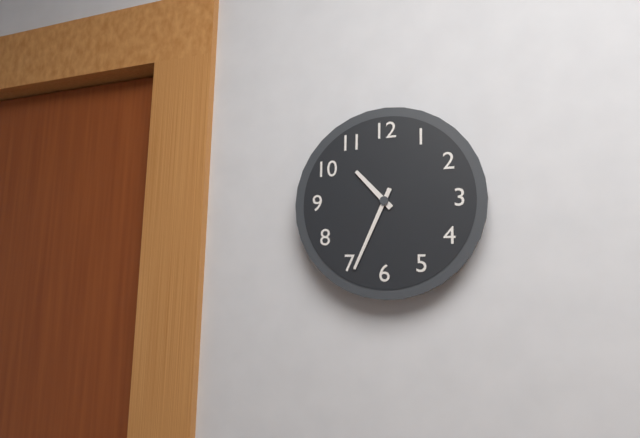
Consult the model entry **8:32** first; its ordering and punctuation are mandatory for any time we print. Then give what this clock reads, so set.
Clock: **10:34**
